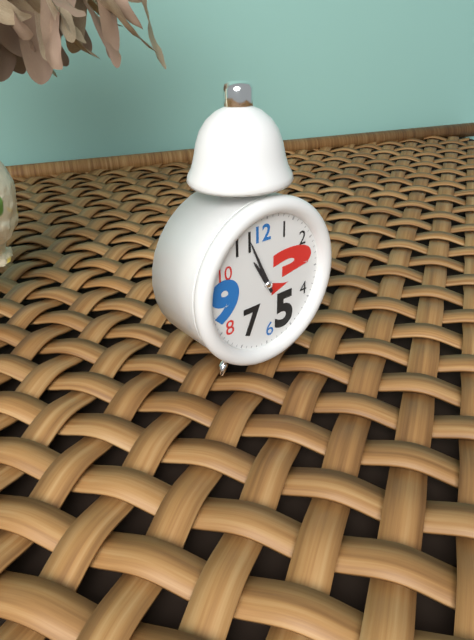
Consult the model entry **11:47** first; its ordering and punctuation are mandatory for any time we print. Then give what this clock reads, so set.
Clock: **10:56**
